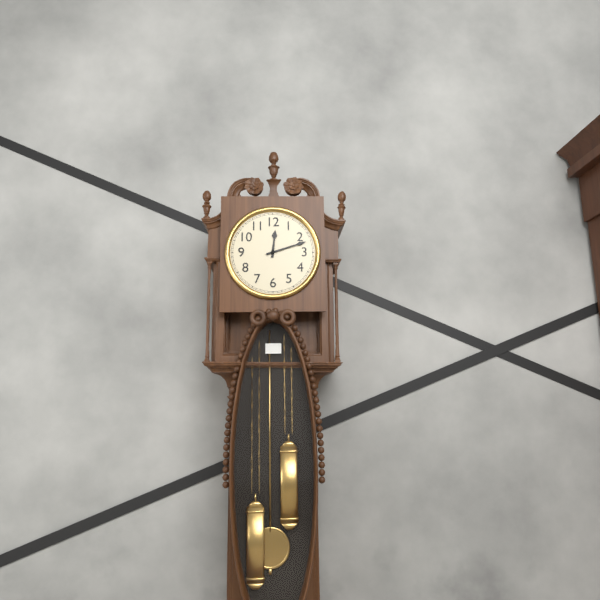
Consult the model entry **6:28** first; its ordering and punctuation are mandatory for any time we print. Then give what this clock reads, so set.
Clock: **12:12**
